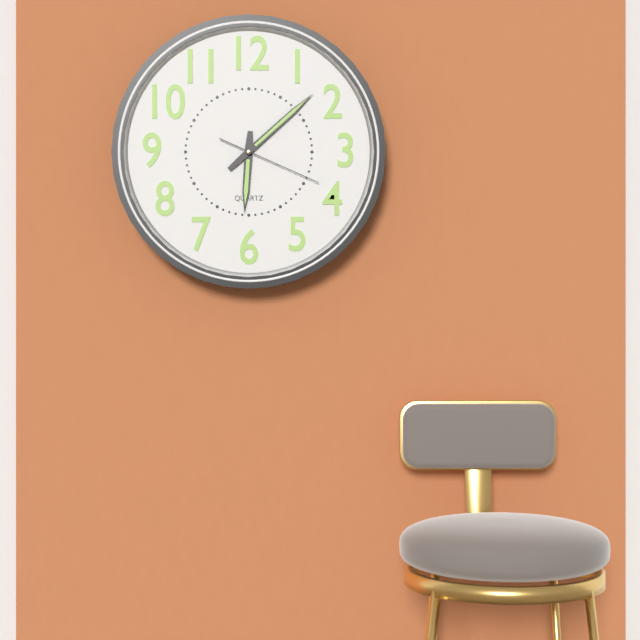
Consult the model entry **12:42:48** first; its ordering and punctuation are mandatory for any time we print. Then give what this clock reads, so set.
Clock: **6:08:19**
